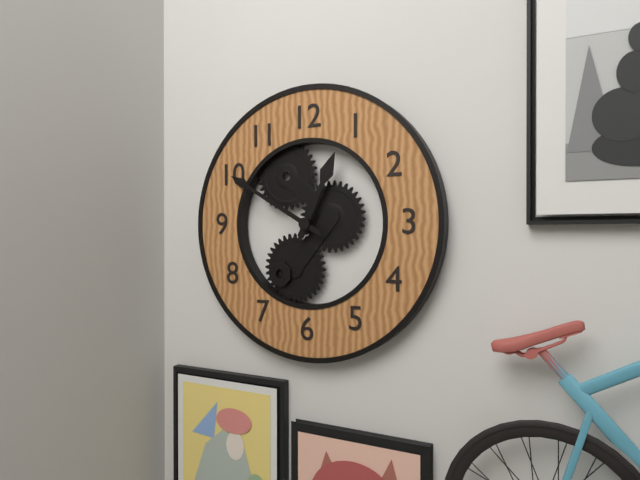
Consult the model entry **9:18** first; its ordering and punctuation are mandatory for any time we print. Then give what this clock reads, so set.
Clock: **12:50**
